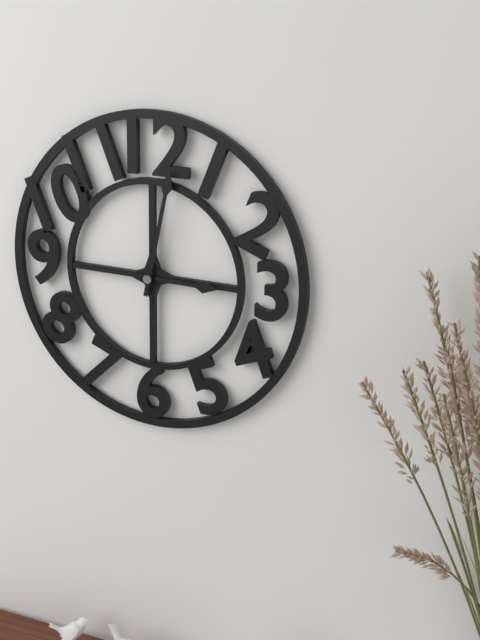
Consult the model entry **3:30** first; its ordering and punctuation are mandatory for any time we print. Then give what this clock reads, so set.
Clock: **3:02**
